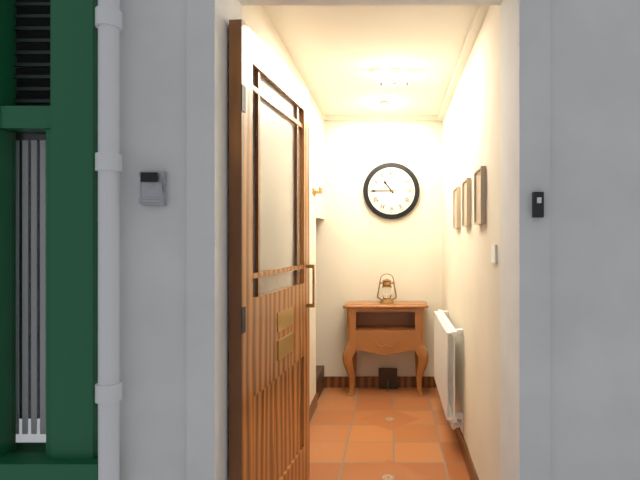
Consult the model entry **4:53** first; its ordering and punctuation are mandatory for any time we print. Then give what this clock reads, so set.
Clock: **10:45**
